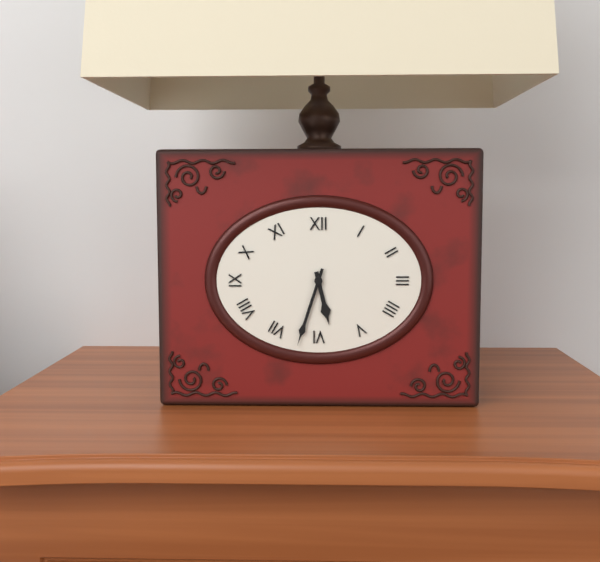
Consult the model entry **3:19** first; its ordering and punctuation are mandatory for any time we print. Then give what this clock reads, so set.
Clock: **5:33**
